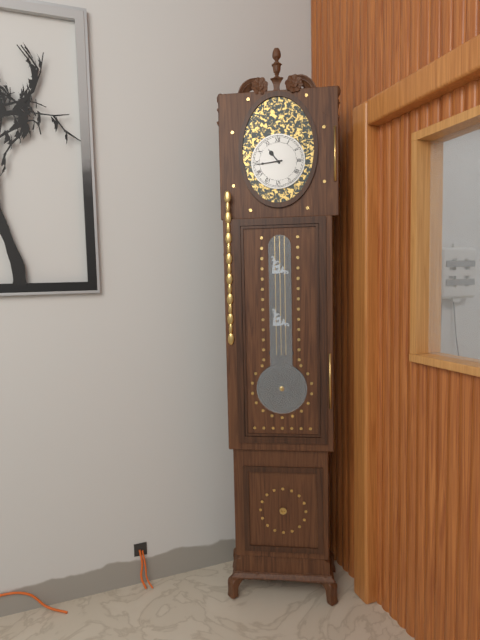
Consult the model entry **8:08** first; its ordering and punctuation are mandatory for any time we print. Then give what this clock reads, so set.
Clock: **10:44**
